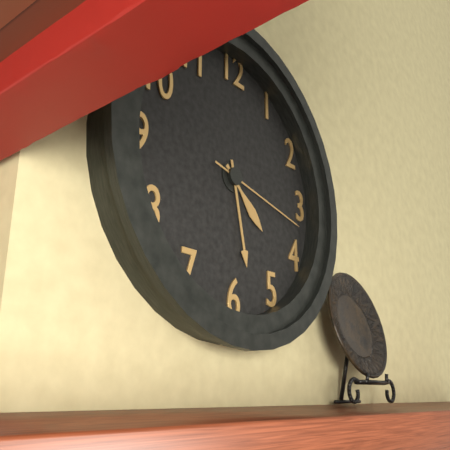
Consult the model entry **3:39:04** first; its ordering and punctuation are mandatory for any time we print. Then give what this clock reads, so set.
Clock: **4:28:17**
